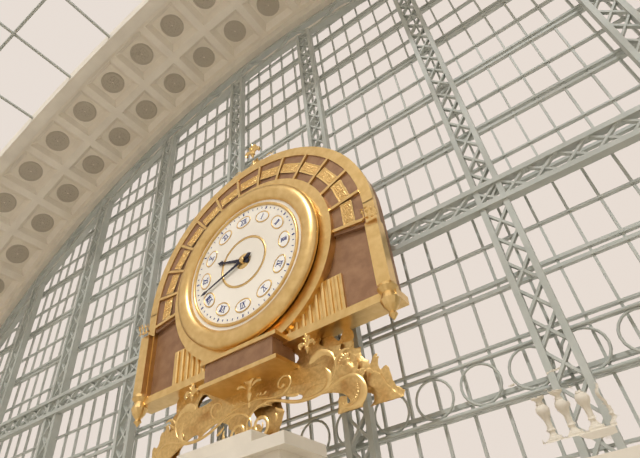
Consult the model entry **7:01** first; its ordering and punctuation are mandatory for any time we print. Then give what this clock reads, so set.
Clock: **9:42**
